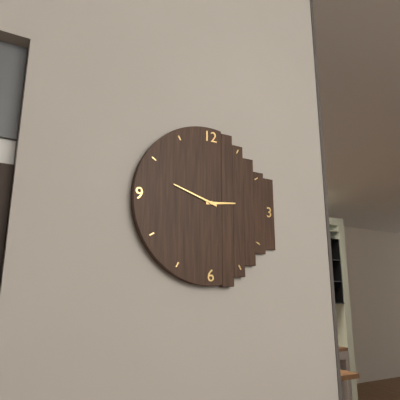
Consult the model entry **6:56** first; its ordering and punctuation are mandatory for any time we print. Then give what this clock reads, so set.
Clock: **2:48**
